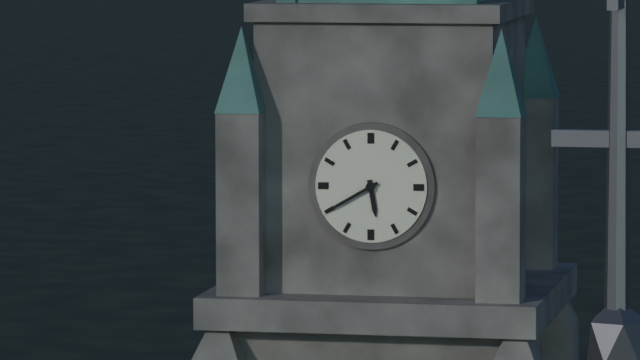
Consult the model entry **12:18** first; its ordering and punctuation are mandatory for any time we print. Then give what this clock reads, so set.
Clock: **5:40**
